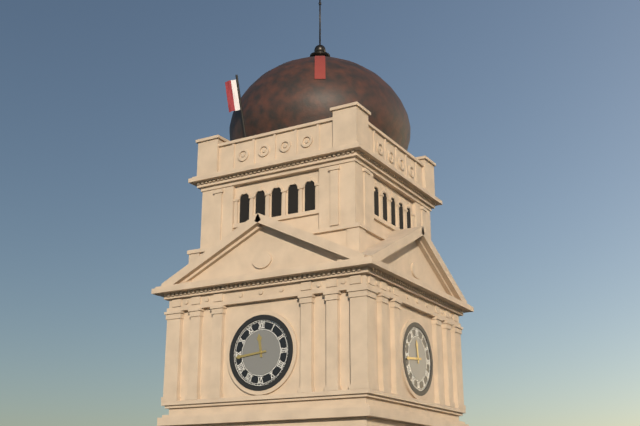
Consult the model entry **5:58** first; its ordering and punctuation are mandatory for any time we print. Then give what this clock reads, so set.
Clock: **11:44**
